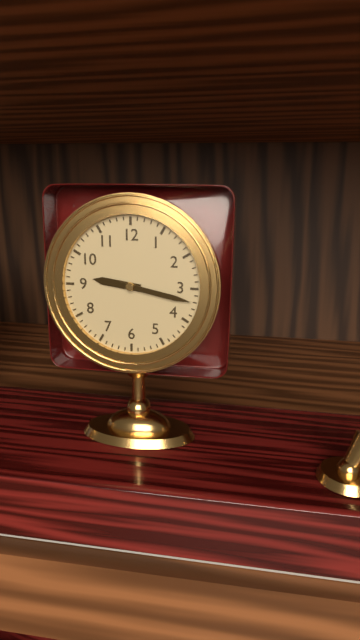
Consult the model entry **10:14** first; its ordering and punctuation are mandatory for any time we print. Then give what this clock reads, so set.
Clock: **9:17**
